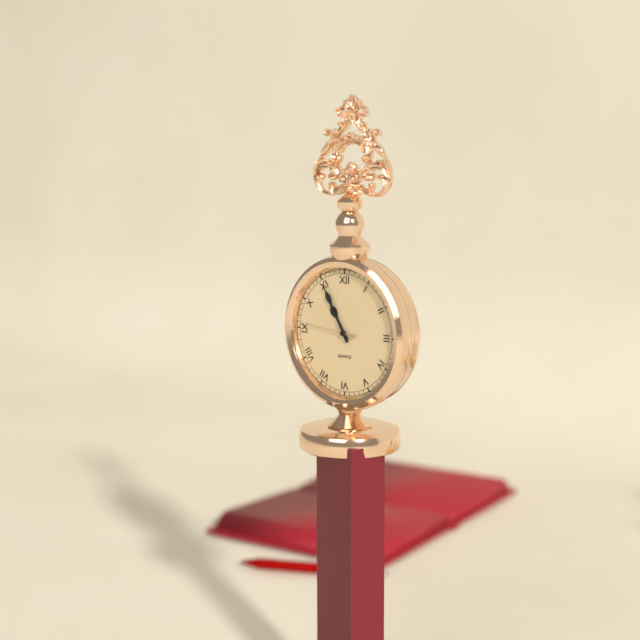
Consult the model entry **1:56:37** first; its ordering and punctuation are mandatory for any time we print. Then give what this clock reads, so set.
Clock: **10:55:46**
